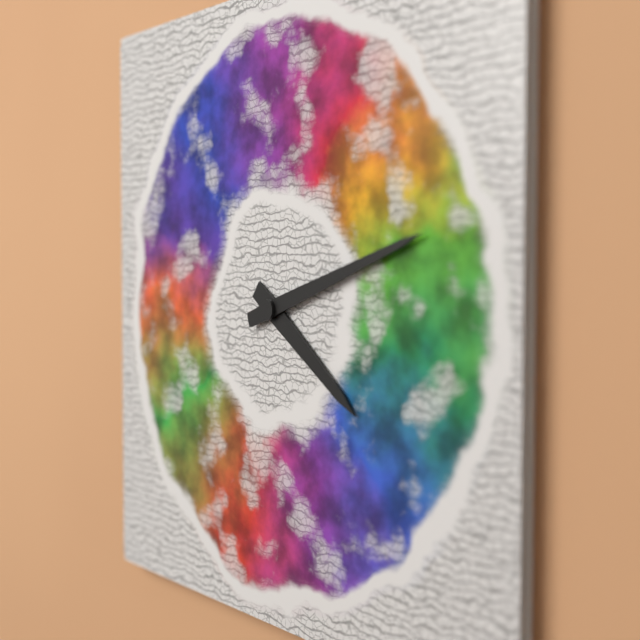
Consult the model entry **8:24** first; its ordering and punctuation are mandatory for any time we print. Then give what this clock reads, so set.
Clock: **4:12**
